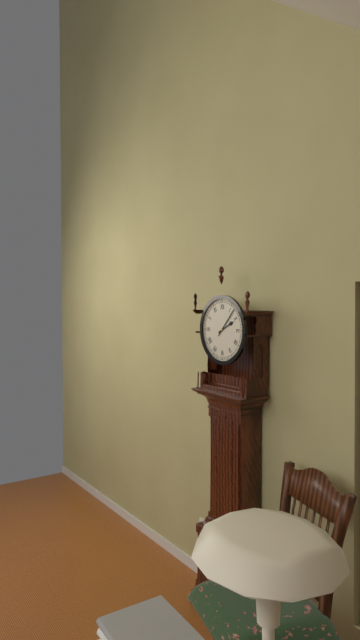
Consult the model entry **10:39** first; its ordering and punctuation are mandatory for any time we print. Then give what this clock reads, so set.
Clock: **2:07**
